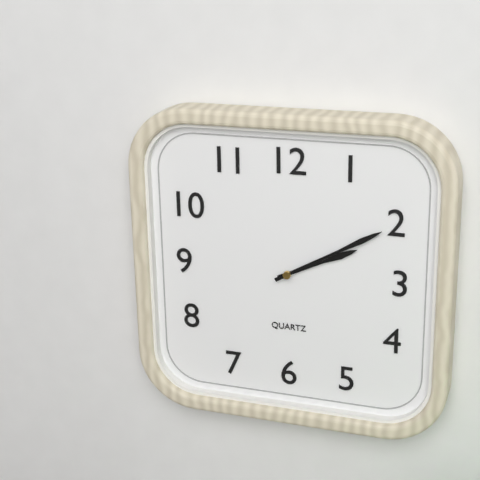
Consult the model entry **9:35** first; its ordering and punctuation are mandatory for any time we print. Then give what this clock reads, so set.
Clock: **2:10**
